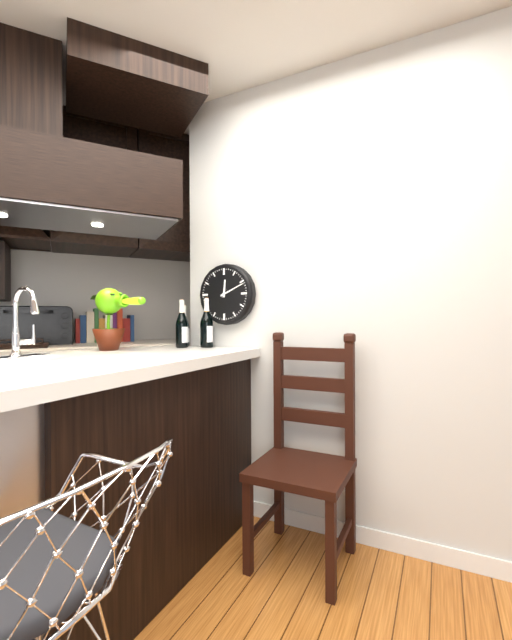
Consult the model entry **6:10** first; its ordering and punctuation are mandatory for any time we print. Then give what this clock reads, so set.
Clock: **12:11**
